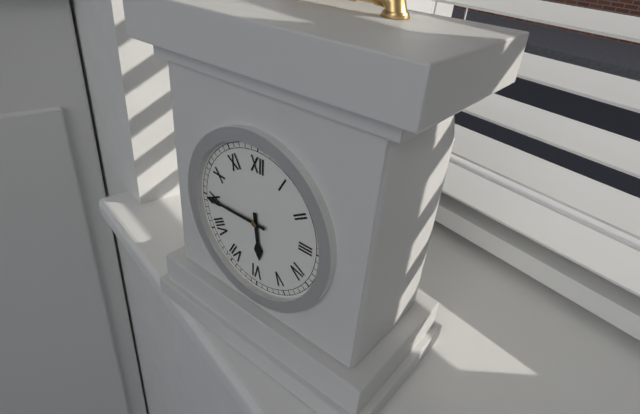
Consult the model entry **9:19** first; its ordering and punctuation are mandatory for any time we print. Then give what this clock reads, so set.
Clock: **5:45**
